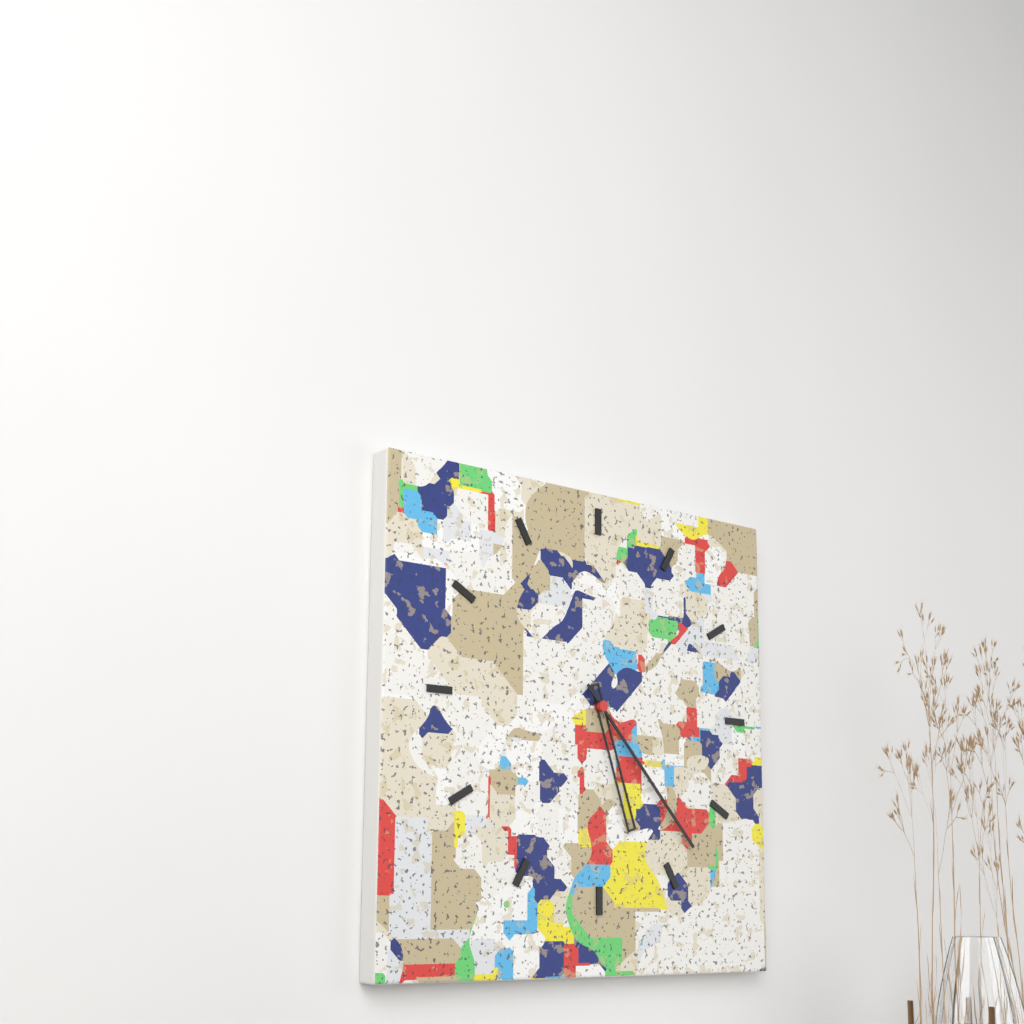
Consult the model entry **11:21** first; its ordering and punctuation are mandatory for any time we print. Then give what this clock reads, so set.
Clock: **5:23**
